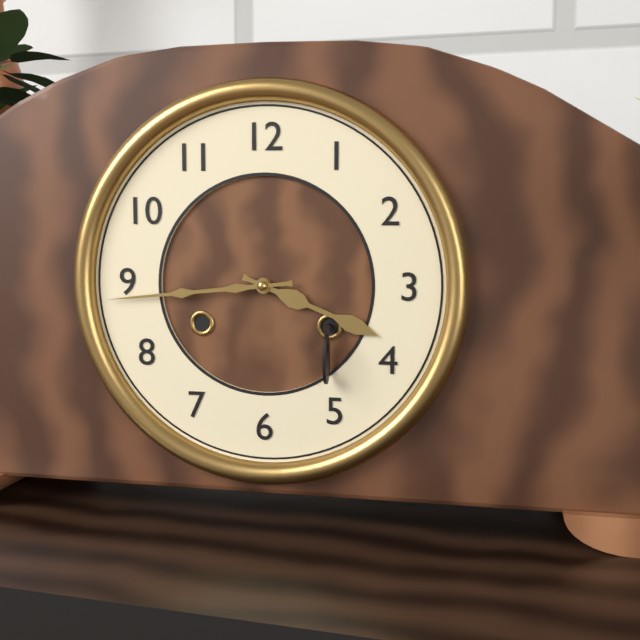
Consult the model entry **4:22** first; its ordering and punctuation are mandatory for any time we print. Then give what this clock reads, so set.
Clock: **3:44**
